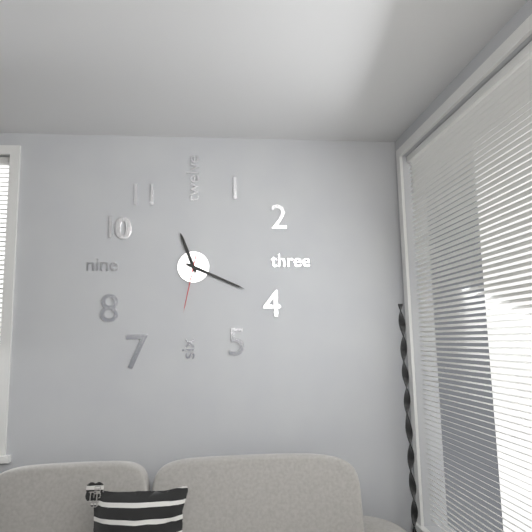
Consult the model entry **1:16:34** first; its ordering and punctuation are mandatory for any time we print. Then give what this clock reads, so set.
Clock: **11:19:32**
